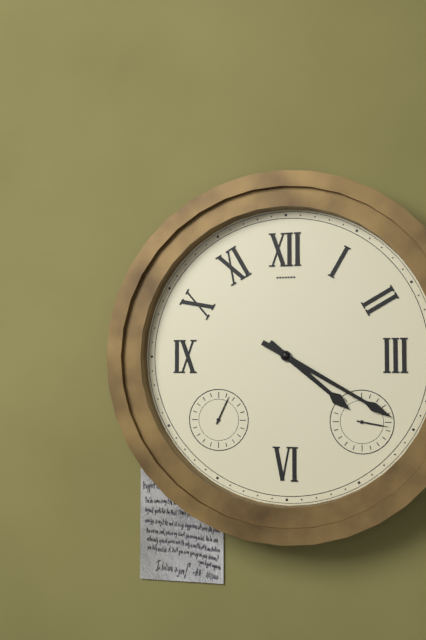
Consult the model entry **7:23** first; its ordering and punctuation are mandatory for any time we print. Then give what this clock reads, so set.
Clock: **4:20**
